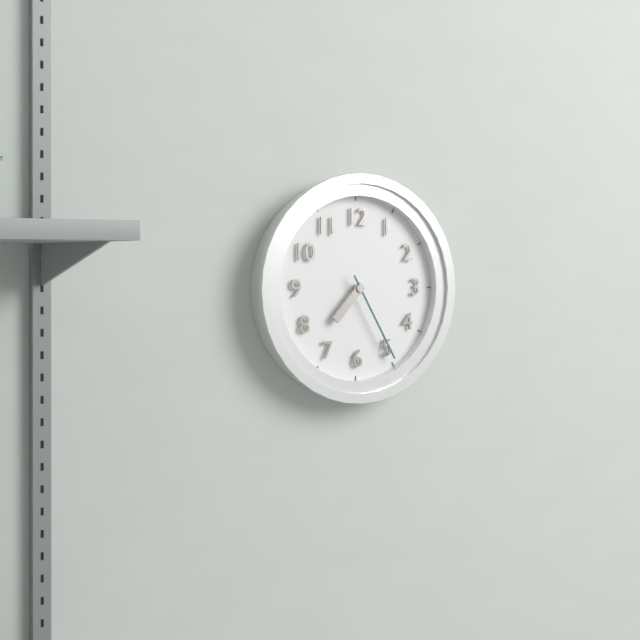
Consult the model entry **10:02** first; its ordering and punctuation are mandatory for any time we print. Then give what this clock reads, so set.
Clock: **7:25**
